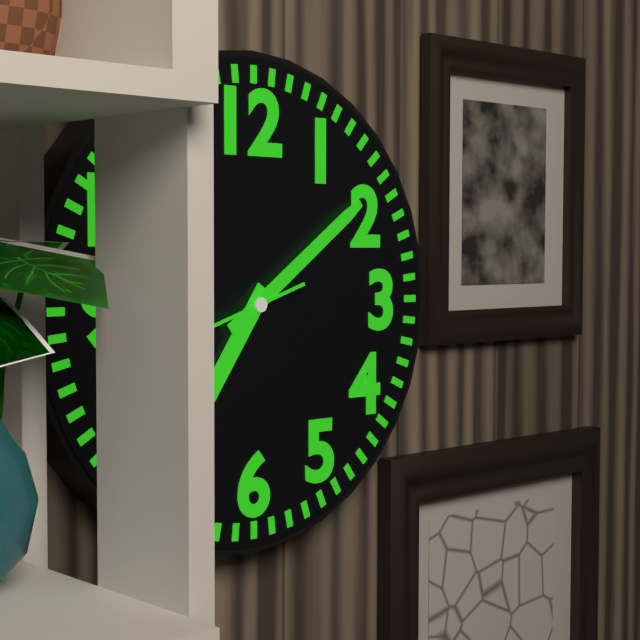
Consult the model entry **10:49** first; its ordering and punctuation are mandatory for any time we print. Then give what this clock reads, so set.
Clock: **7:09**
